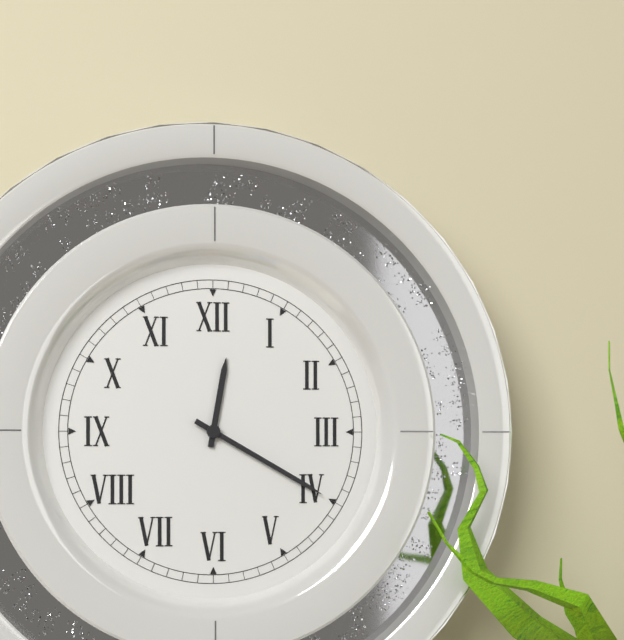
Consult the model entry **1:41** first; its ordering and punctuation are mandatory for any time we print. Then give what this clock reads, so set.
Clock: **12:20**
